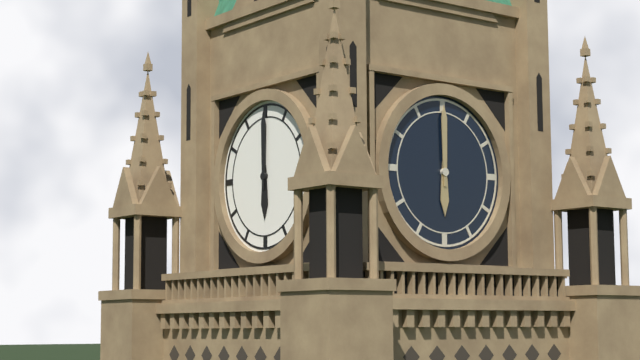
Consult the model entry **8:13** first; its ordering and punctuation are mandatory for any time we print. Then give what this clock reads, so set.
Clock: **6:00**
